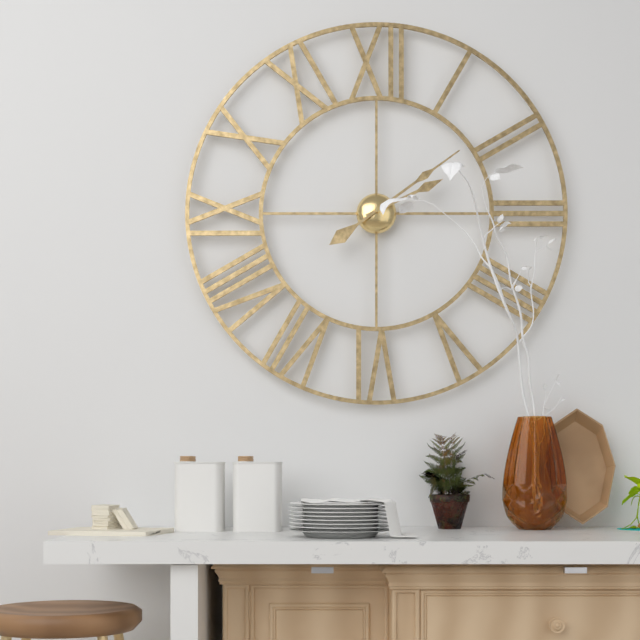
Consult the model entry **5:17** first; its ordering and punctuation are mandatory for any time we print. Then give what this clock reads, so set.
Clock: **2:09**
